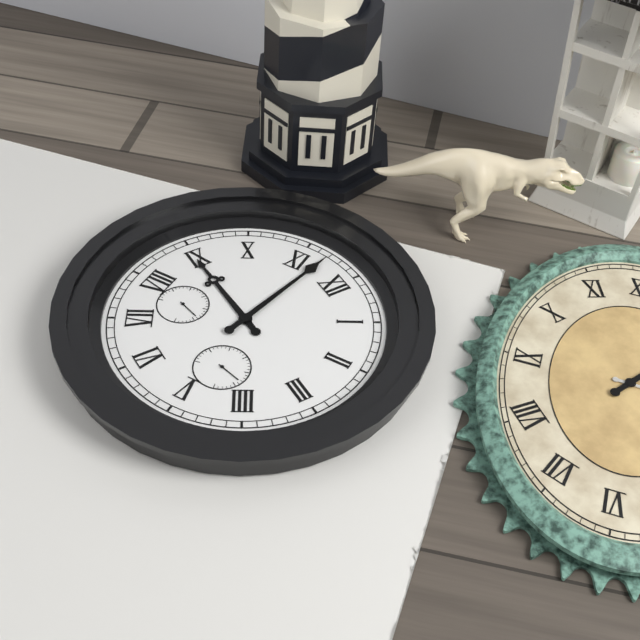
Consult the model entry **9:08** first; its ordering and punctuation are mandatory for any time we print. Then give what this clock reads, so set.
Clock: **8:57**
